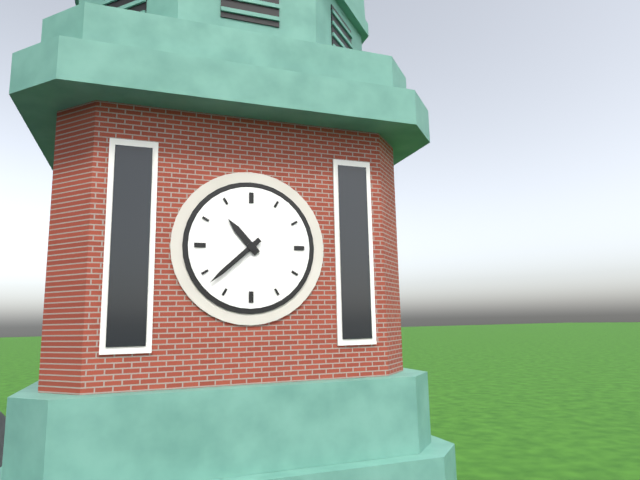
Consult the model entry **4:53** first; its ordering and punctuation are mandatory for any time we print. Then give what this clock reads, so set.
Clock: **10:38**
